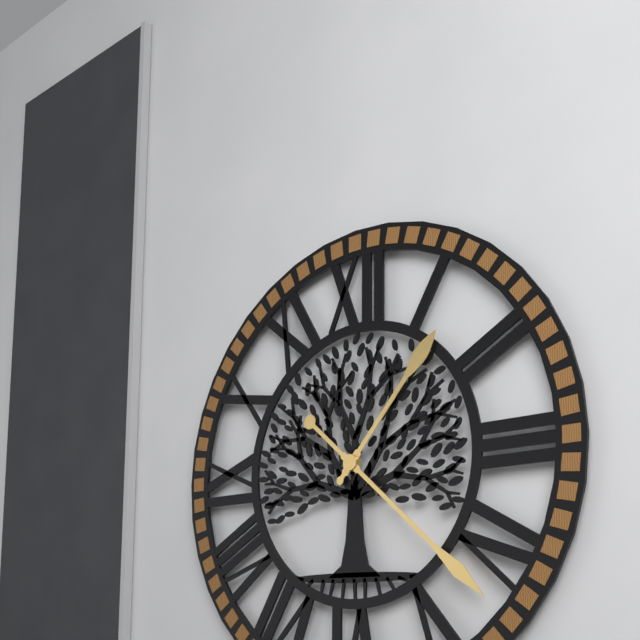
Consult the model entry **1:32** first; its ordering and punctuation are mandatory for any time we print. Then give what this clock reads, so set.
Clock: **1:22**
